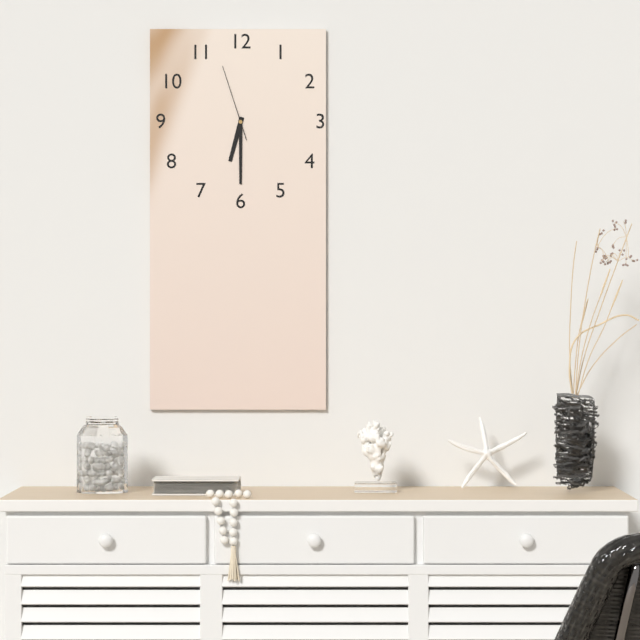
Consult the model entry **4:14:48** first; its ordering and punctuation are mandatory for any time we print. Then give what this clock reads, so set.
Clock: **6:30:57**
